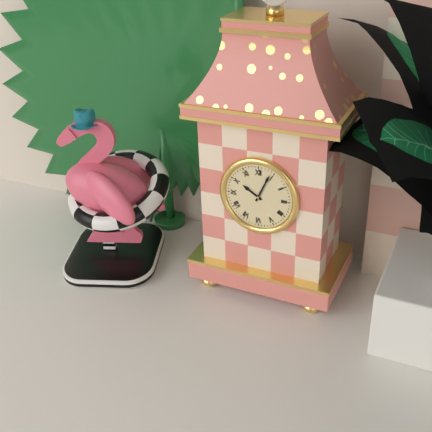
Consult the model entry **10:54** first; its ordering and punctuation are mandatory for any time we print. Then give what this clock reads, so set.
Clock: **10:04**
